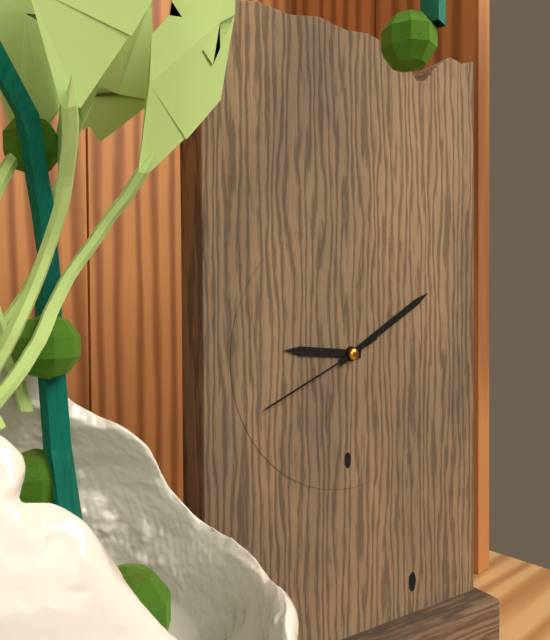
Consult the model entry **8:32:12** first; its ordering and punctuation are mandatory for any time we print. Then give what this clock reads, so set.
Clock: **9:10:41**
